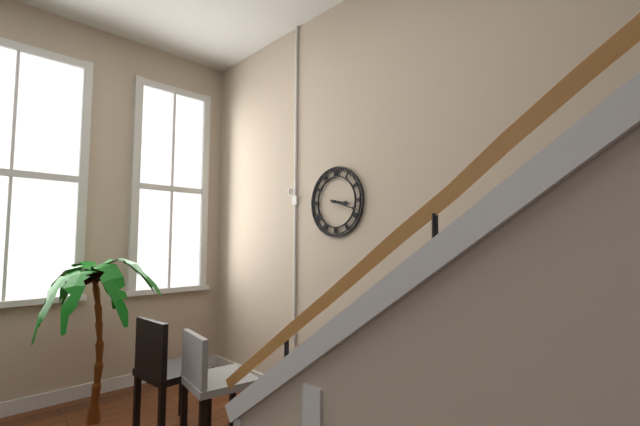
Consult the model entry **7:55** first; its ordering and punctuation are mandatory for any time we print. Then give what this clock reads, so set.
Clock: **3:18**
